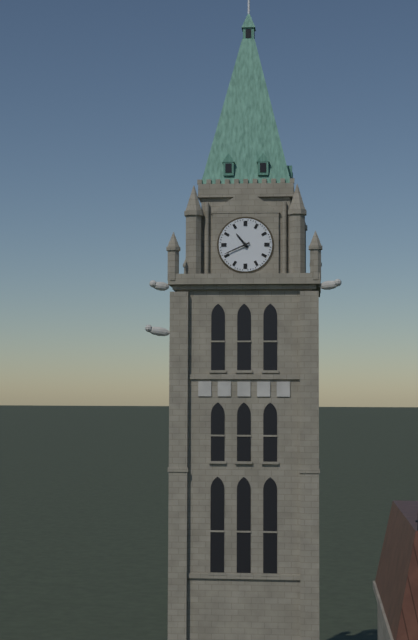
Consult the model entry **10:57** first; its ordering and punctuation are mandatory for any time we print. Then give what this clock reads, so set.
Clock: **10:41**
